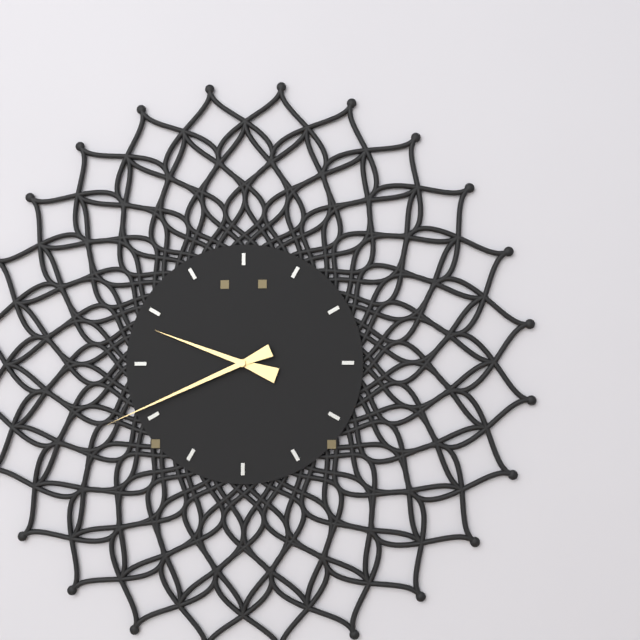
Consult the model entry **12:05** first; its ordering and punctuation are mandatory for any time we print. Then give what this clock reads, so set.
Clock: **9:41**
